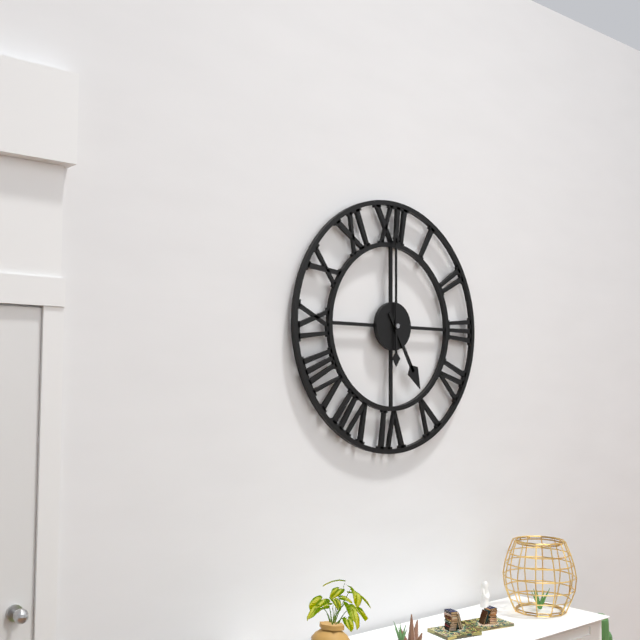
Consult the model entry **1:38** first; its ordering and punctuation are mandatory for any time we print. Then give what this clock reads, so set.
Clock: **5:00**
